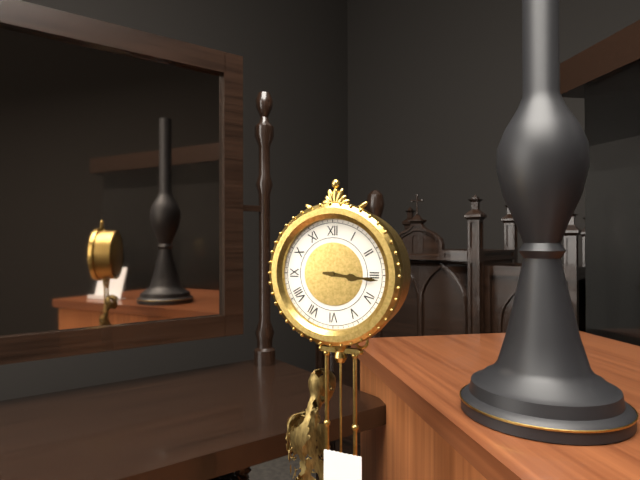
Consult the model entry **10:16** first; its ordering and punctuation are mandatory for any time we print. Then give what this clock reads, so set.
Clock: **3:16**
